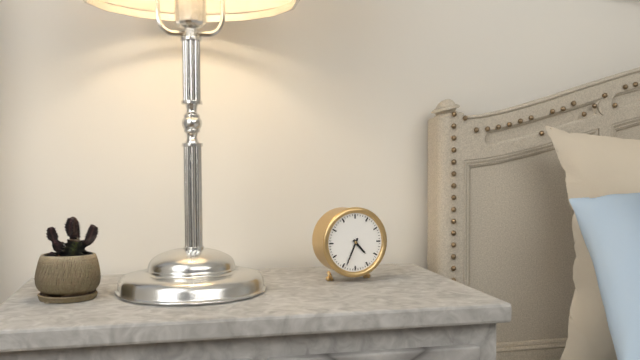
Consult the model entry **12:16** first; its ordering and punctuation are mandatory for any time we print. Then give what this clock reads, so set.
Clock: **4:34**
